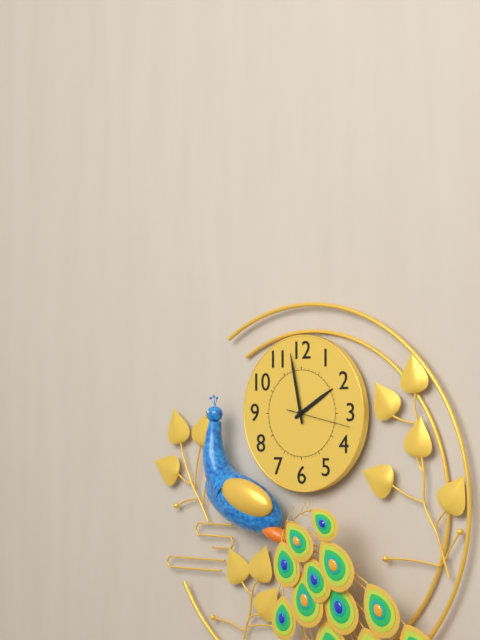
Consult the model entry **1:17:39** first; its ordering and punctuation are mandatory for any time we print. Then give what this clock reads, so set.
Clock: **1:58:17**
